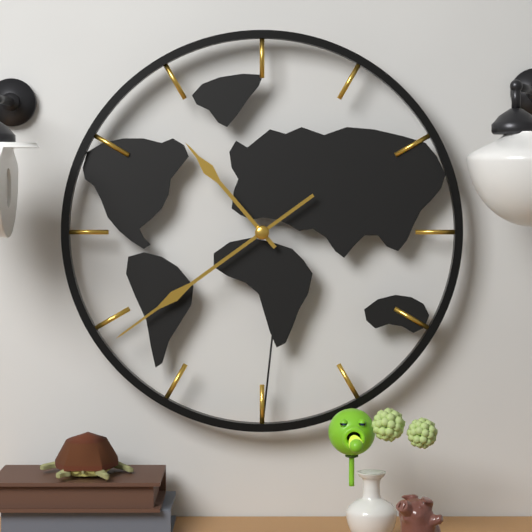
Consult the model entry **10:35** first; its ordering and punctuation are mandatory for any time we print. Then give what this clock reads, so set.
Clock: **10:39**
